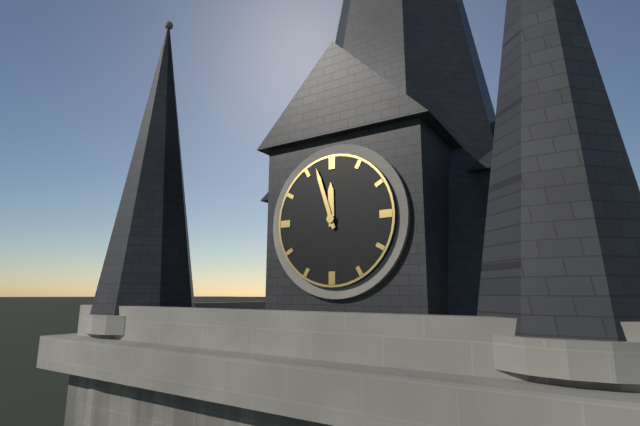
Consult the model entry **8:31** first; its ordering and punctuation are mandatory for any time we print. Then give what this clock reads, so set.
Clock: **11:57**
